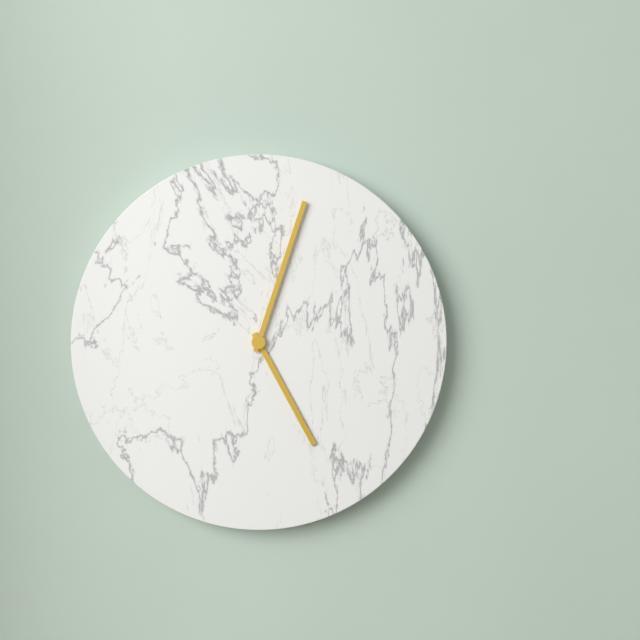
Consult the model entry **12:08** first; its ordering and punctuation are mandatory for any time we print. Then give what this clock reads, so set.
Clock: **5:03**
